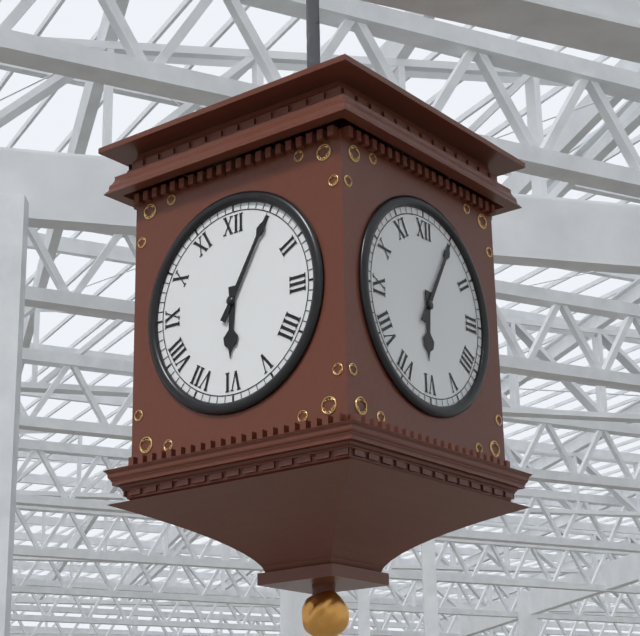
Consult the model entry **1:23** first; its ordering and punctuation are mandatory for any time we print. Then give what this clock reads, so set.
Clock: **6:05**
